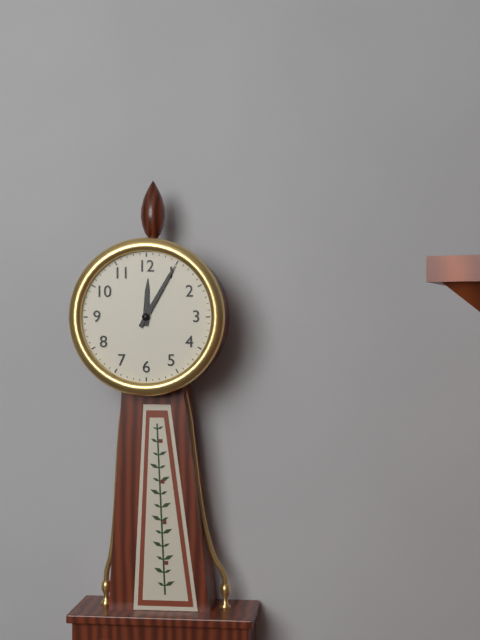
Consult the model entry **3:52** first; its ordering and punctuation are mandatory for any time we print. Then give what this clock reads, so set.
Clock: **12:05**
